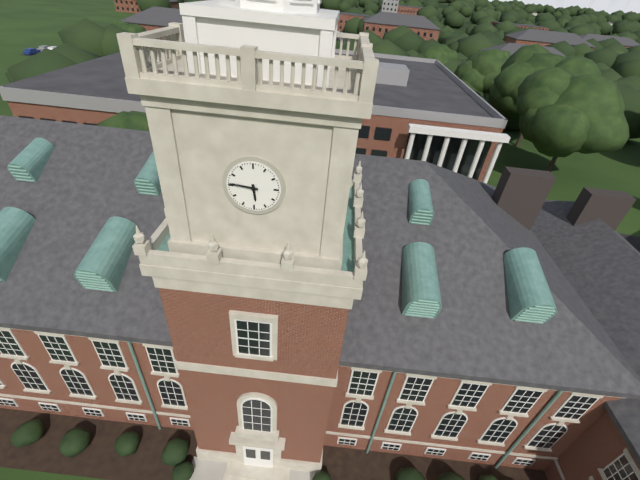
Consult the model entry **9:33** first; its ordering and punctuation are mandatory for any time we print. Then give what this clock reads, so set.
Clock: **5:46**
